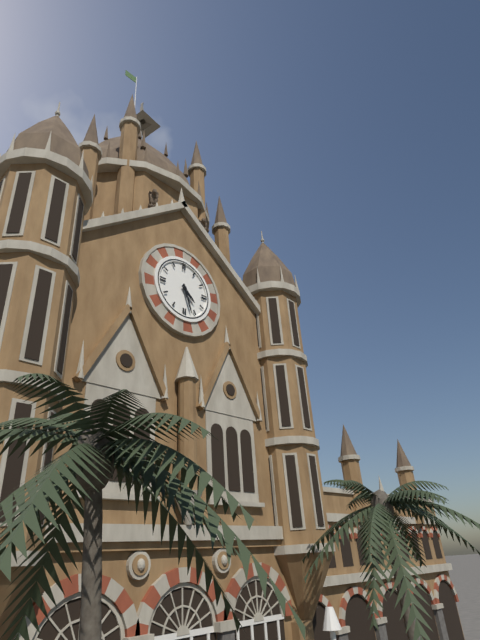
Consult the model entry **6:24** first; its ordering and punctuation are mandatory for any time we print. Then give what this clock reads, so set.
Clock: **4:27**
